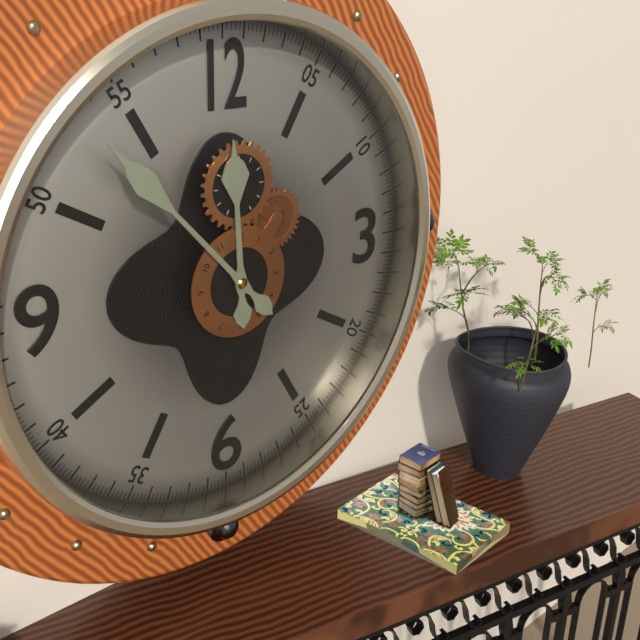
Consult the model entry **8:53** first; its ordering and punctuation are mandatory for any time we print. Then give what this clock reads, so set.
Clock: **11:53**
